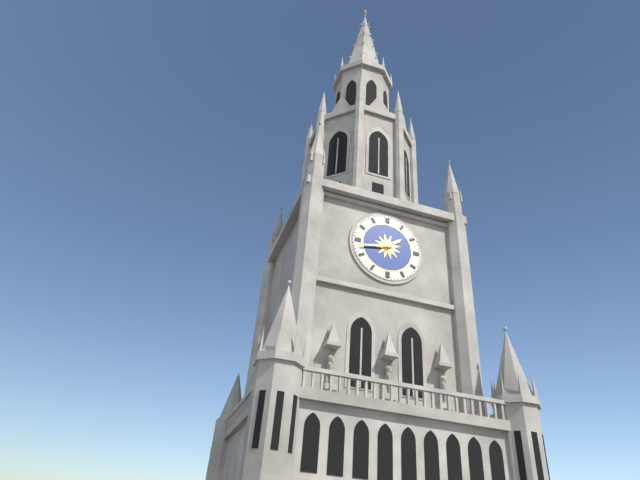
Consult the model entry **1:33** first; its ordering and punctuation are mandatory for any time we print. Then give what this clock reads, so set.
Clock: **1:43**
